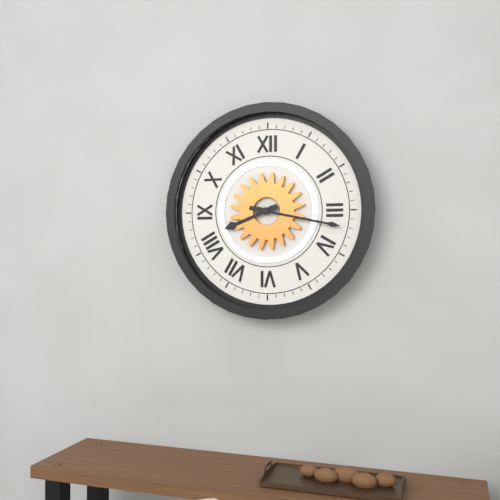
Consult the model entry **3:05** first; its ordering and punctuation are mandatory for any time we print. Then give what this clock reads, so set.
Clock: **8:17**
